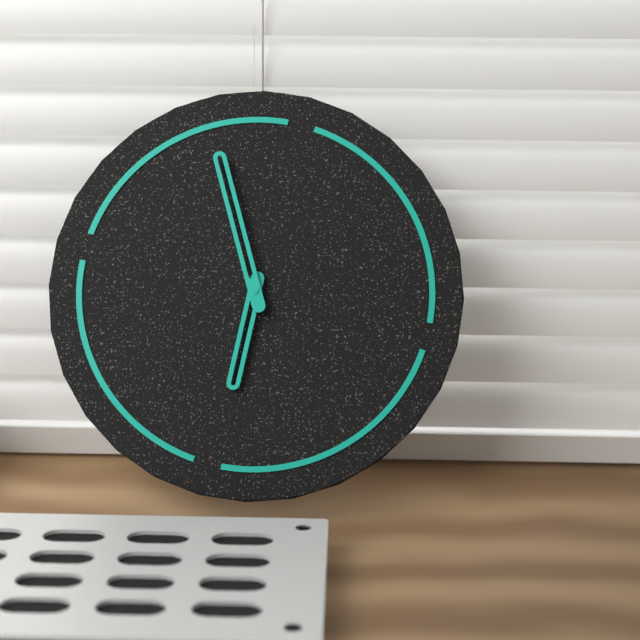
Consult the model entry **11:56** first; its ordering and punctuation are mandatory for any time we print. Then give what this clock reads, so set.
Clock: **5:55**
